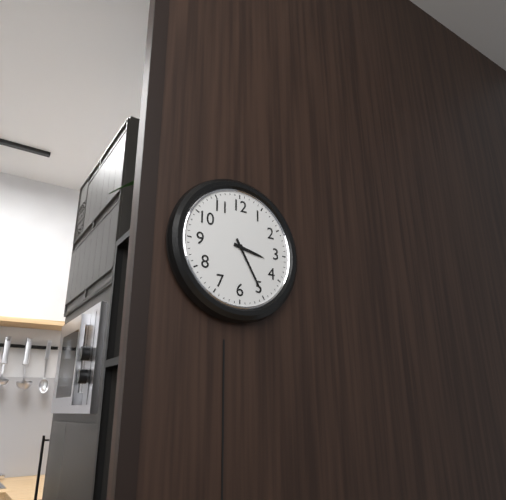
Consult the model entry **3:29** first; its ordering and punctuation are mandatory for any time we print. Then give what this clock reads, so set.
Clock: **3:25**
